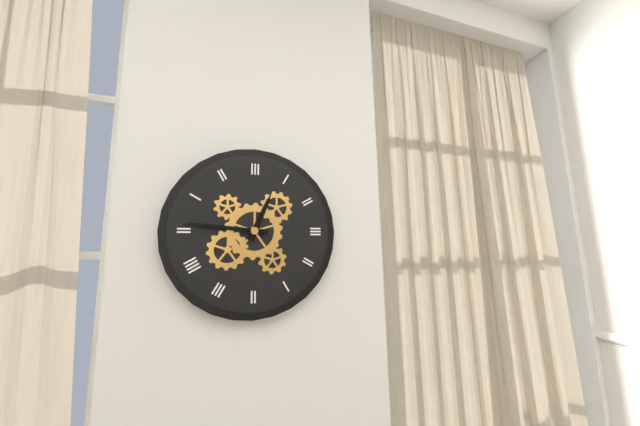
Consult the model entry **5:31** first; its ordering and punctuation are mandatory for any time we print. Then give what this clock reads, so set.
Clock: **12:46**
